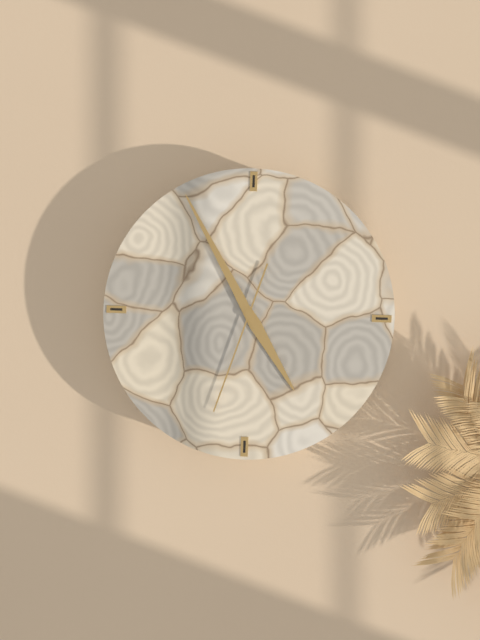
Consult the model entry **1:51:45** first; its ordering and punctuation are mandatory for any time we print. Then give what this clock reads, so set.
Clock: **4:55:33**
